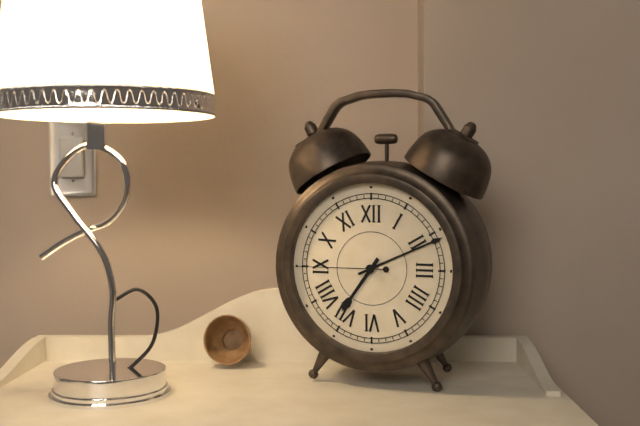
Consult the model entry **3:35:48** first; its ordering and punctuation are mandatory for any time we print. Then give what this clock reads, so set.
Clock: **7:11:45**
